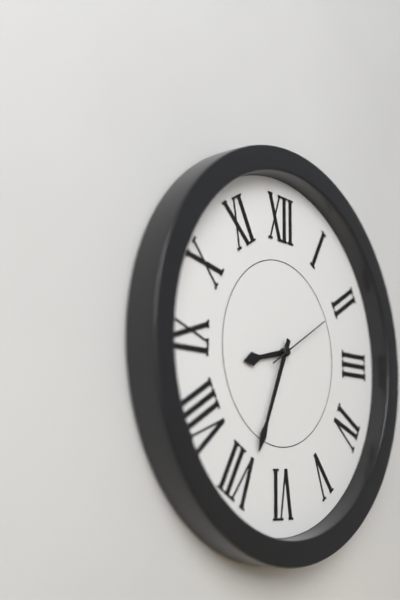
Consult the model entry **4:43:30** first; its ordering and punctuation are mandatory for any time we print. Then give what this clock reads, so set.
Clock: **8:34:10**
